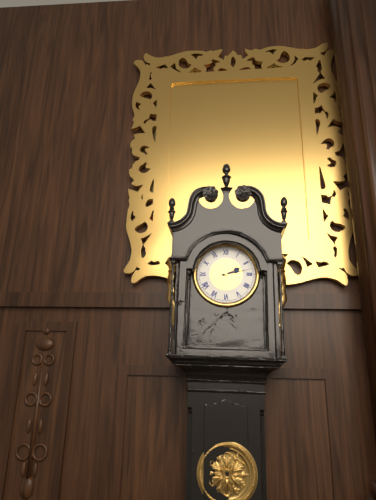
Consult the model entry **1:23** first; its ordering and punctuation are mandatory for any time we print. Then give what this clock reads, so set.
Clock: **2:13**
